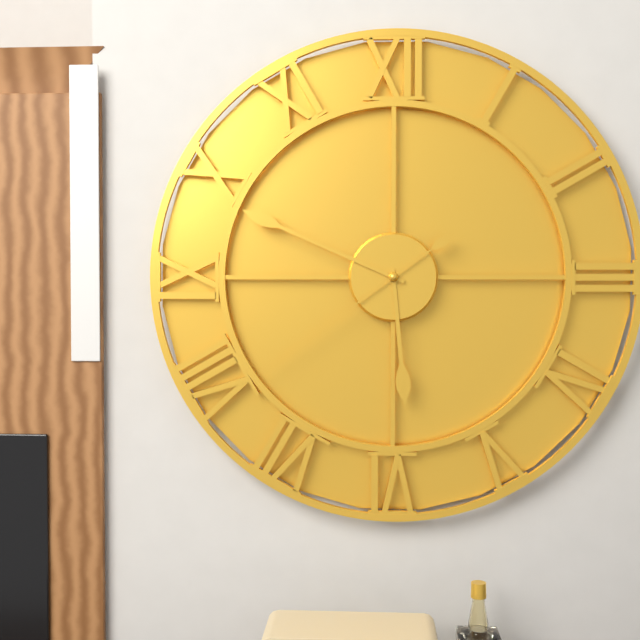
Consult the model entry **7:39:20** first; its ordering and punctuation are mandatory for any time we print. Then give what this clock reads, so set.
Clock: **5:49:39**
